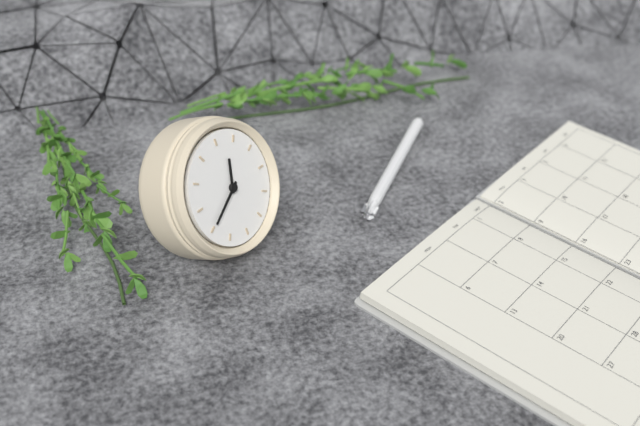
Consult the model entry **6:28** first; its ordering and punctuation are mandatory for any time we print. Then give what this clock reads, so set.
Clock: **11:35**
